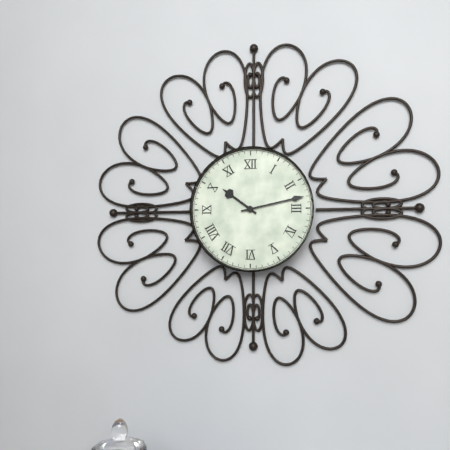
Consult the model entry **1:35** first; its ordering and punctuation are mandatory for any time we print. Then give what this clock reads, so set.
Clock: **10:13**
